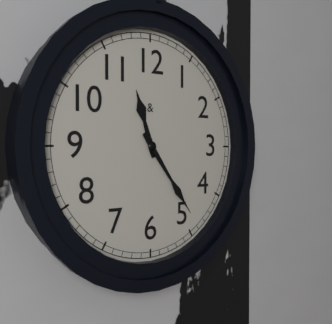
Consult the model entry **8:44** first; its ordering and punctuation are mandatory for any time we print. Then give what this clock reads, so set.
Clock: **11:24**
